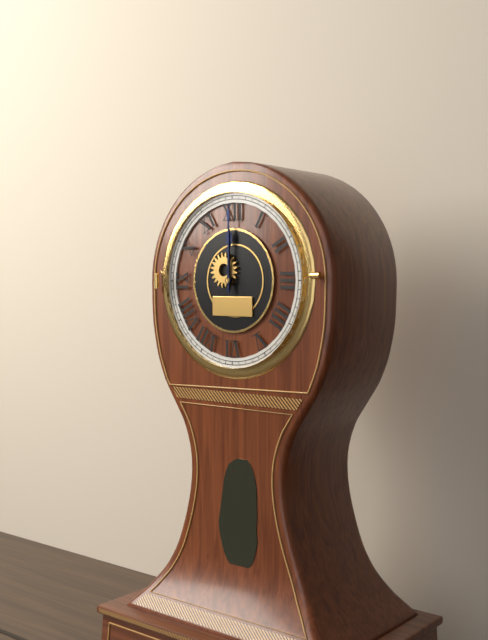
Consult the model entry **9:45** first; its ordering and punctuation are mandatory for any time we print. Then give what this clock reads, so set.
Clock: **12:00**
